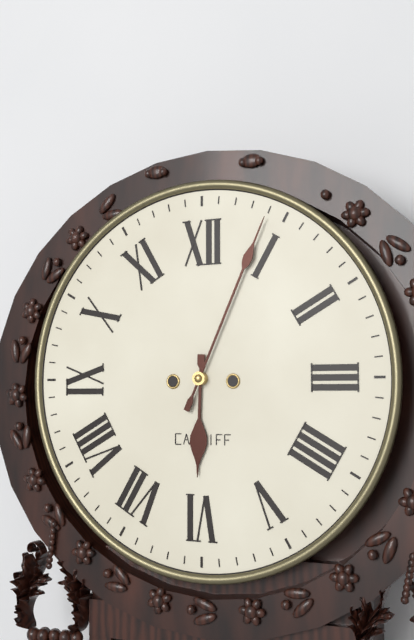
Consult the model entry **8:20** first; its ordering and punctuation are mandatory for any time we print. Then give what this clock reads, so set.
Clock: **6:04**
